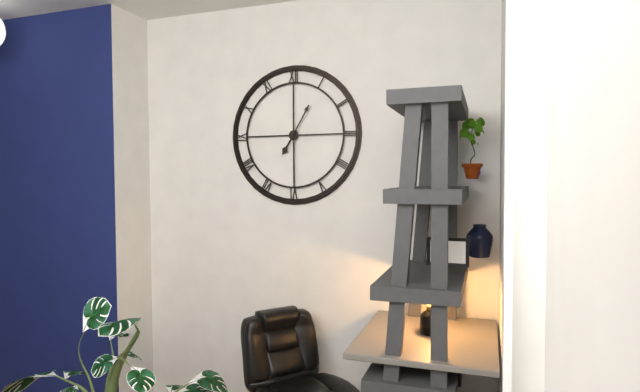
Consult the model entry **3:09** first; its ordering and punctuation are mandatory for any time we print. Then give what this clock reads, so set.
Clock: **7:05**
